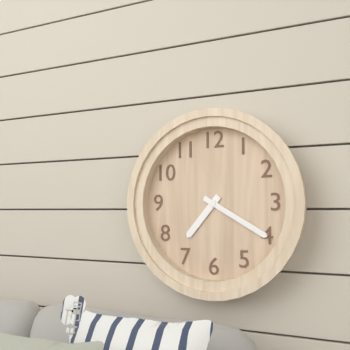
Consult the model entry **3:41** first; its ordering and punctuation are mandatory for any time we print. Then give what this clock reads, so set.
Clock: **7:20**
